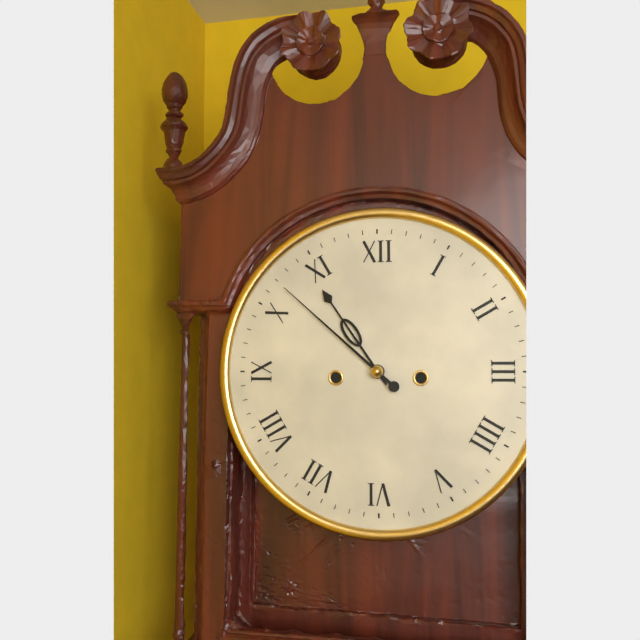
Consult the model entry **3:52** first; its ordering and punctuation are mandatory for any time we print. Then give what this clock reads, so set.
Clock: **10:52**
